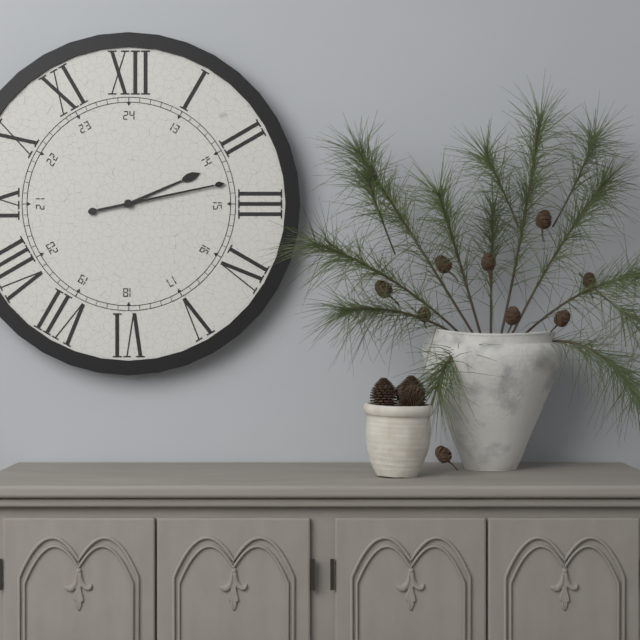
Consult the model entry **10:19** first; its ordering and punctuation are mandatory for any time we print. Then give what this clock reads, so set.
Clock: **2:13**
